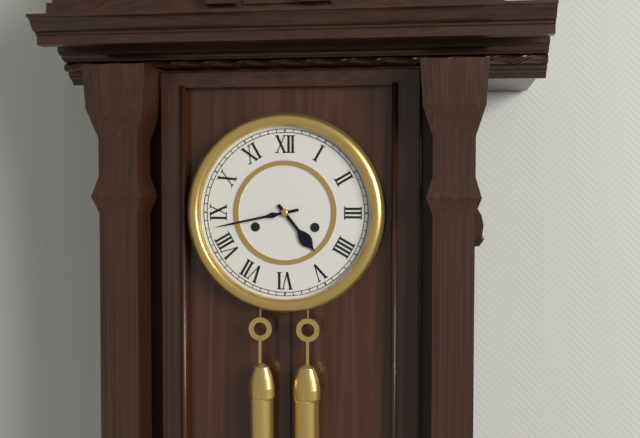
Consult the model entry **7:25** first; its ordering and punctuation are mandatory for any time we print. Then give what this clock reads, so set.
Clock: **4:43**
